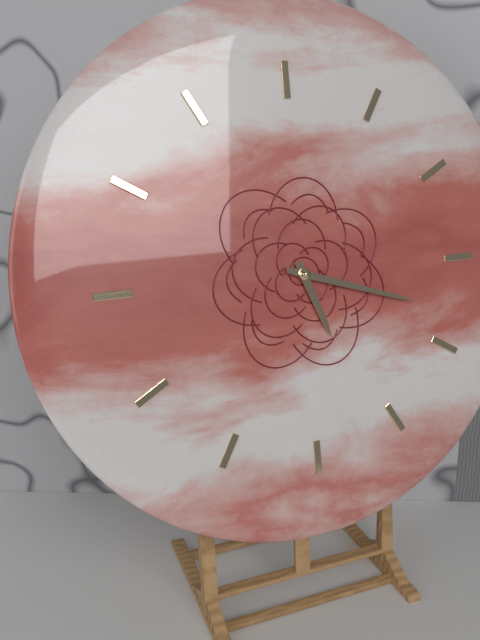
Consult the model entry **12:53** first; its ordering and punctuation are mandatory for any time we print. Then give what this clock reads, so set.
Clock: **5:18**
